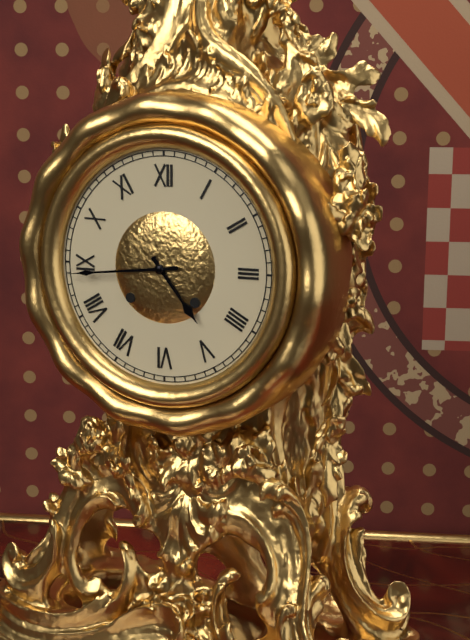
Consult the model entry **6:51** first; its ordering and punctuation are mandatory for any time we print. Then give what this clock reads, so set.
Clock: **4:44**
